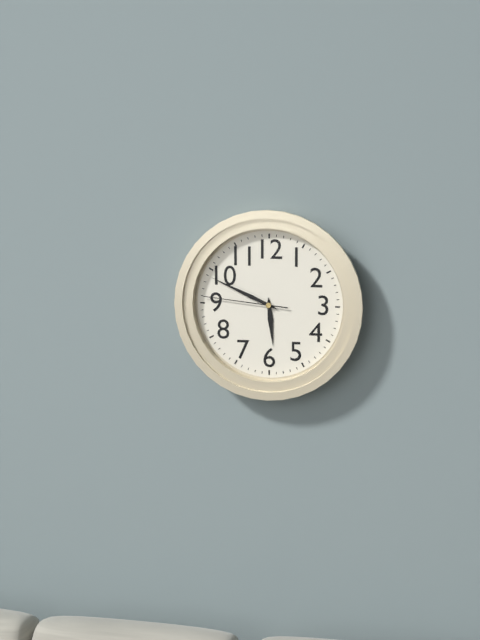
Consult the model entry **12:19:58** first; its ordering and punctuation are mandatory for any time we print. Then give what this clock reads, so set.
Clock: **5:49:46**
